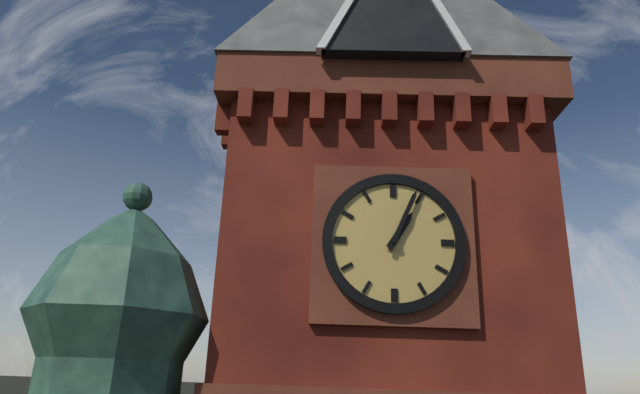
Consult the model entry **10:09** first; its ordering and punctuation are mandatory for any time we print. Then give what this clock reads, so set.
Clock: **1:04**
